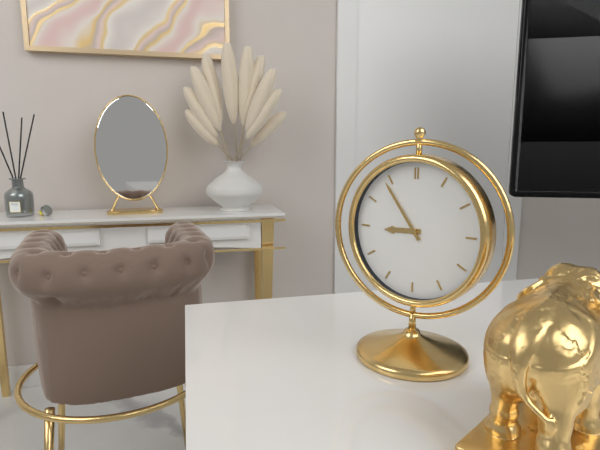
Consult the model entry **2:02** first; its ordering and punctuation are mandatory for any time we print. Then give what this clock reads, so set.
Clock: **8:54**
